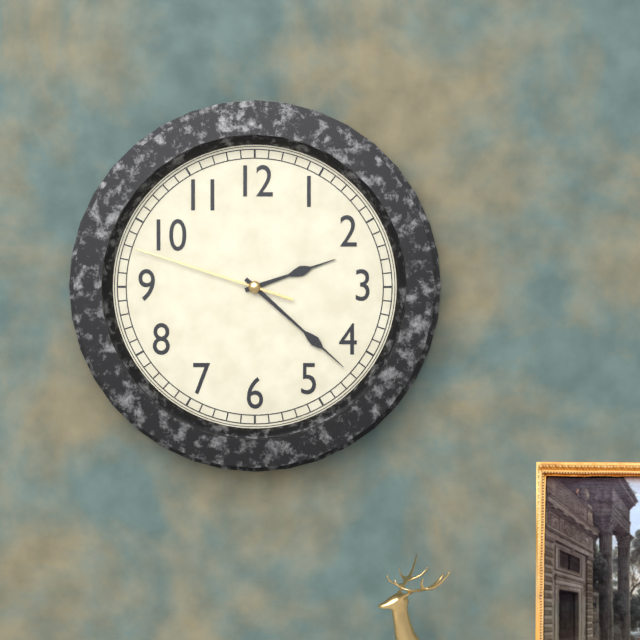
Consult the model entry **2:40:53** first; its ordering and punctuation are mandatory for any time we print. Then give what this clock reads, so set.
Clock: **2:22:48**
